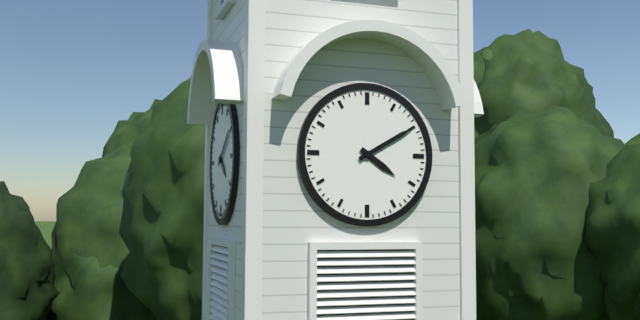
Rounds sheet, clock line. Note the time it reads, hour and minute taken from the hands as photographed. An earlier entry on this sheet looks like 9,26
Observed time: 4,10
